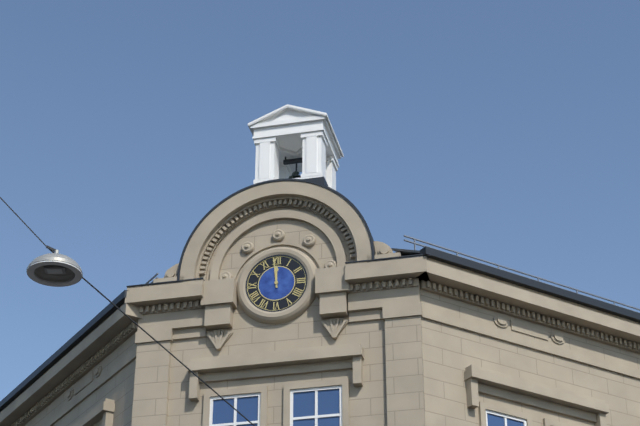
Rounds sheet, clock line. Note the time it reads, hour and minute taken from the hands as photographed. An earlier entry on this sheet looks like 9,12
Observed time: 11,59
